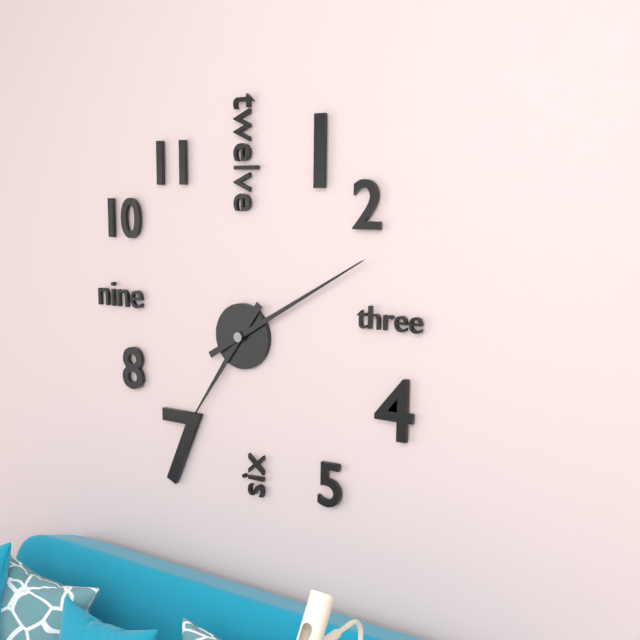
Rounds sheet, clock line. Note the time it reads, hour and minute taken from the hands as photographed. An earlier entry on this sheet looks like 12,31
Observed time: 7,10
